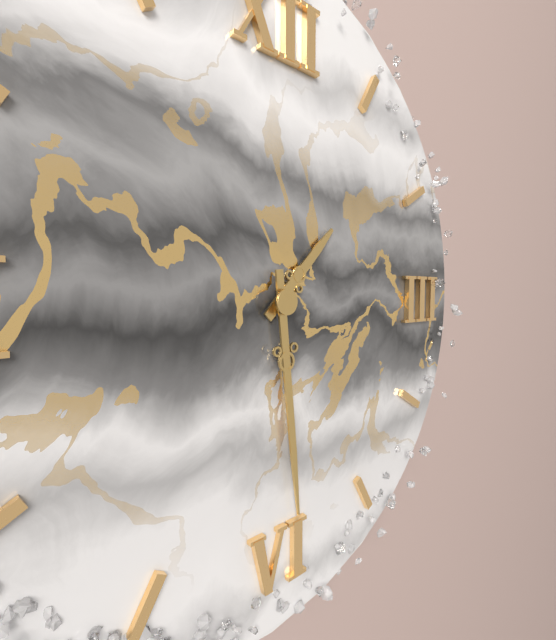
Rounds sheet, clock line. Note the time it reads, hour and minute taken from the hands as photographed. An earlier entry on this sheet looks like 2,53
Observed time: 1,29
